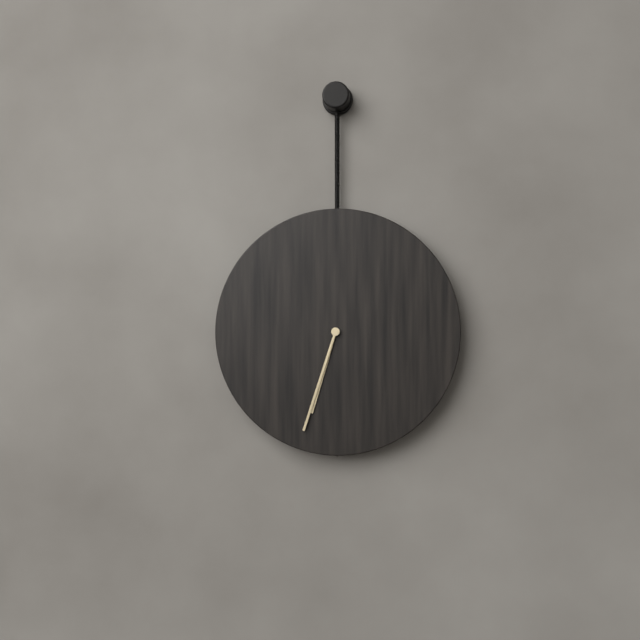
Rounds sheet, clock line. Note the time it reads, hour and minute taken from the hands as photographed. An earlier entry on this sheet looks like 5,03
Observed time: 6,33
